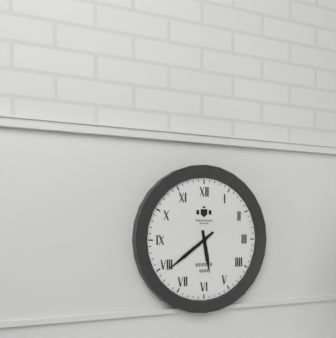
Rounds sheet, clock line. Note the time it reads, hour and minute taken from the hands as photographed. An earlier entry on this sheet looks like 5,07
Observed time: 5,39
